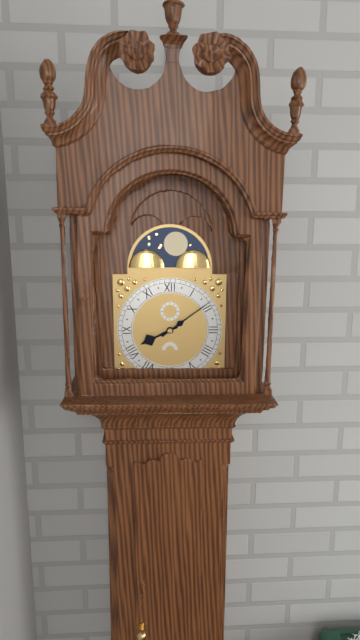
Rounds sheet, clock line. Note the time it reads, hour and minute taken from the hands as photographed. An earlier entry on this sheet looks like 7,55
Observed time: 8,09
